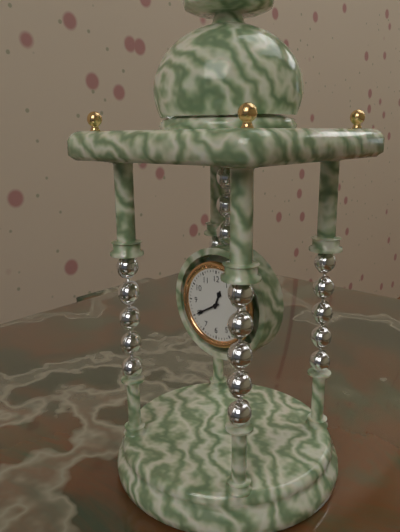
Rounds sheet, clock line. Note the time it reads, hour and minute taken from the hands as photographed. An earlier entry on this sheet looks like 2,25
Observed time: 12,40
